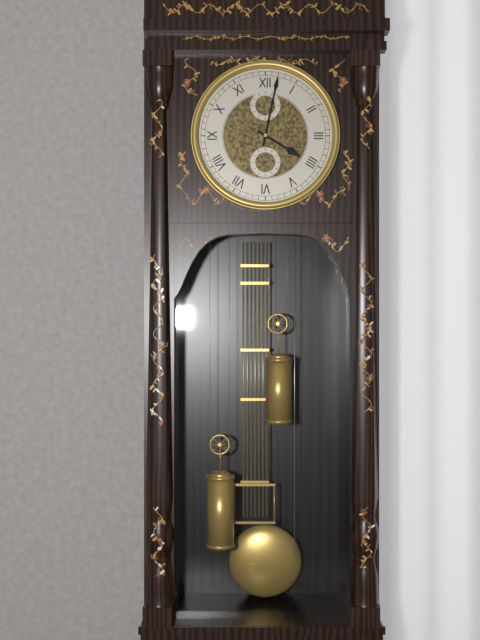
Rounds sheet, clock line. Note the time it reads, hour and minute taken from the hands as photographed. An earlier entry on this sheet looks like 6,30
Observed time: 4,02
